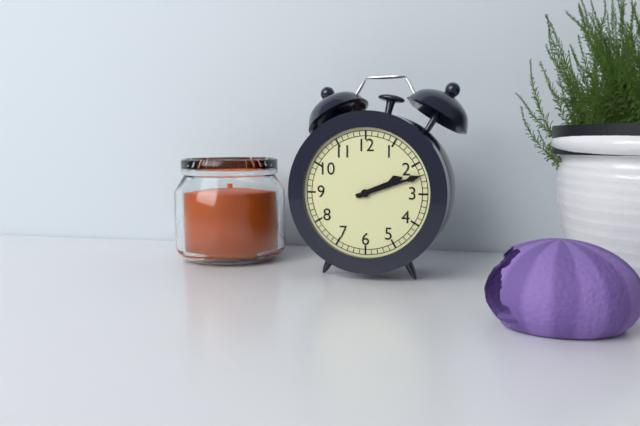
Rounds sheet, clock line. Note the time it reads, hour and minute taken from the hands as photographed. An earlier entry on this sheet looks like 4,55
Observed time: 2,12
